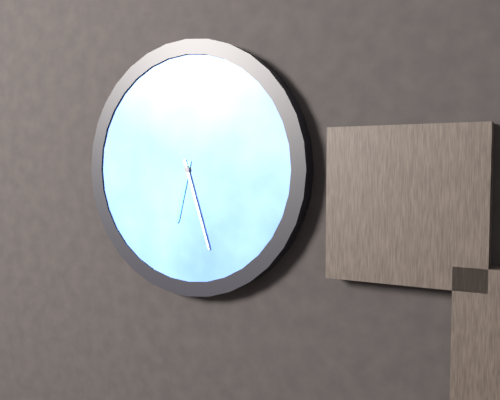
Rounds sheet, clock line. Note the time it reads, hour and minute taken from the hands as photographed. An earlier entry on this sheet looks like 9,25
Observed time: 6,27
